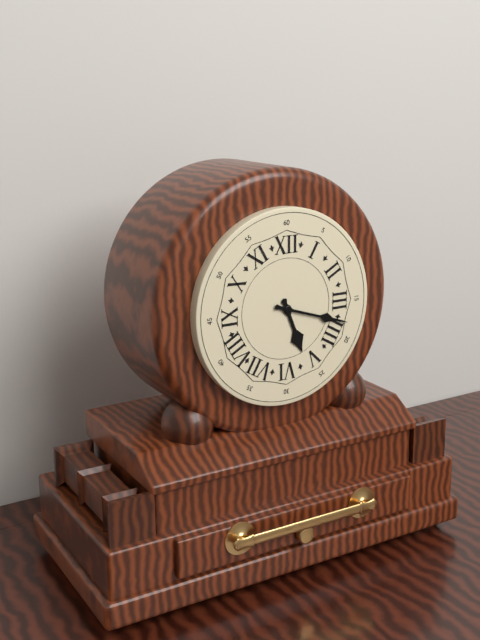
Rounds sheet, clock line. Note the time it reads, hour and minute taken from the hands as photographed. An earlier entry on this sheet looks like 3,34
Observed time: 5,18
